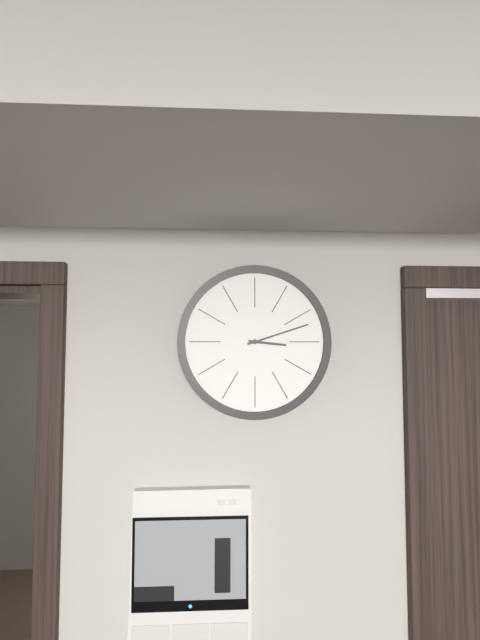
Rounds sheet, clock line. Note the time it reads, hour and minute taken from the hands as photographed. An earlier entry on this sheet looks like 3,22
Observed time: 3,12
